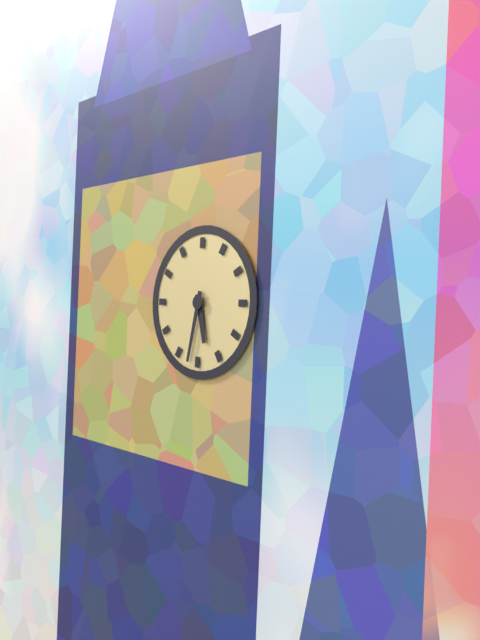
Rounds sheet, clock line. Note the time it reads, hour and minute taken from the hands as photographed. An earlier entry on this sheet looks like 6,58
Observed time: 5,32
